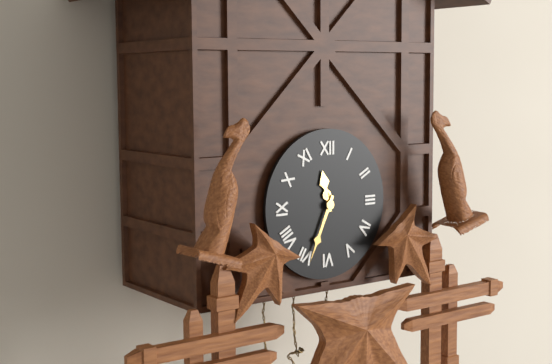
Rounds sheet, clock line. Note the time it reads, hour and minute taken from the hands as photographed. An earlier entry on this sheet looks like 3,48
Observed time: 11,34
